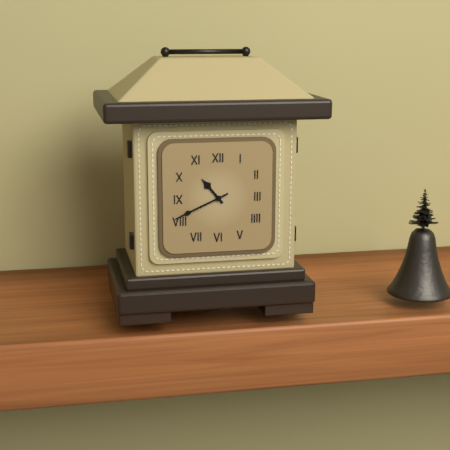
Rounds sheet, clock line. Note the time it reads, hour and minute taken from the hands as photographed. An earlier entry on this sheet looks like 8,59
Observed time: 10,41
